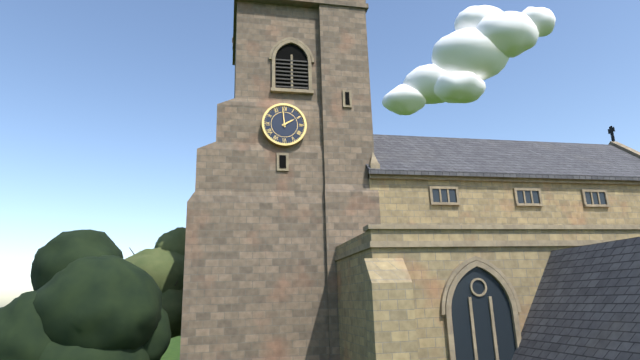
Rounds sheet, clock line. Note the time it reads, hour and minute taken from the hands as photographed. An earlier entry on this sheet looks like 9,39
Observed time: 1,59
